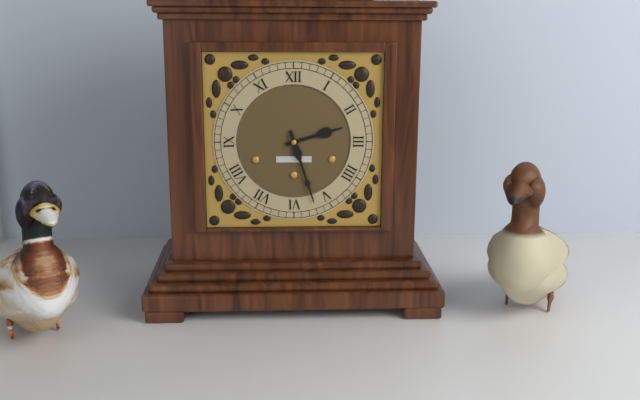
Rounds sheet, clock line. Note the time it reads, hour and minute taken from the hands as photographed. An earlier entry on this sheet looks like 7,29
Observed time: 2,27
